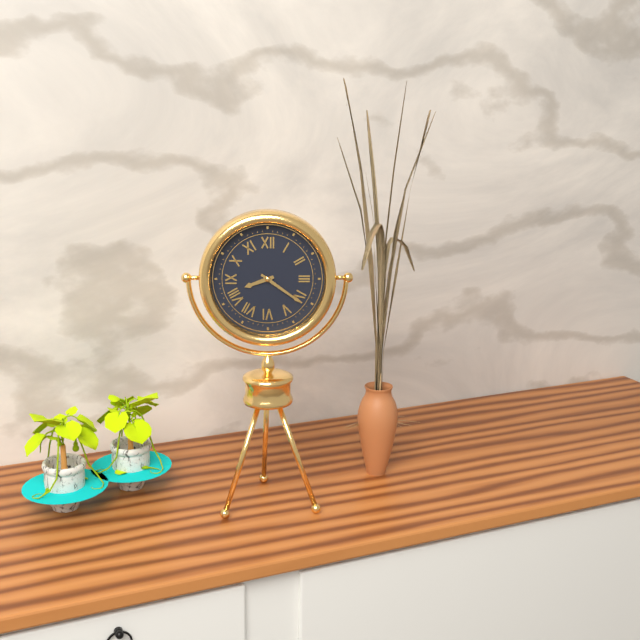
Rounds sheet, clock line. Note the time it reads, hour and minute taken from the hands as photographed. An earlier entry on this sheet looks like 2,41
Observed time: 8,21
